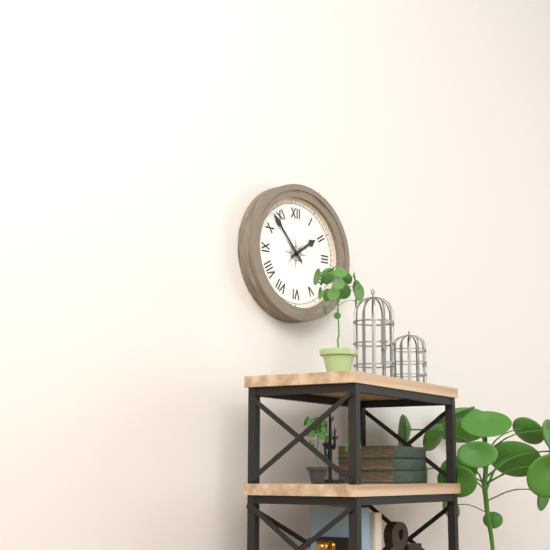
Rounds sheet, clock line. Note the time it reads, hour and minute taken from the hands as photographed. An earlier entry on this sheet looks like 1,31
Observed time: 1,53
